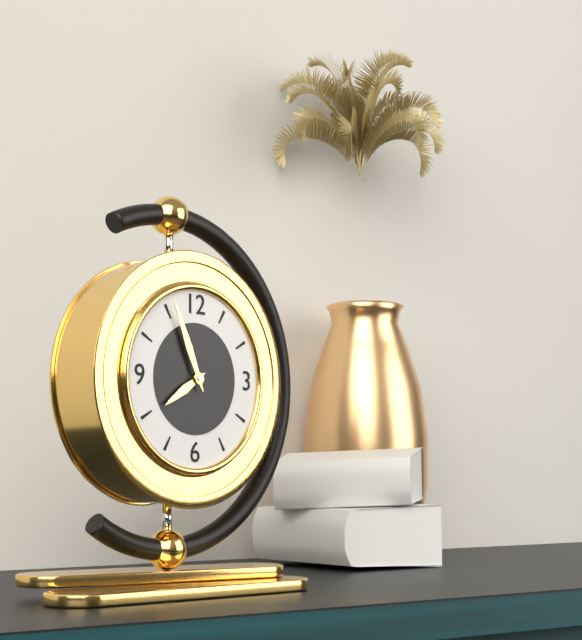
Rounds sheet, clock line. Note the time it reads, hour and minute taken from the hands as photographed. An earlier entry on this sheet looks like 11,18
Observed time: 7,56
